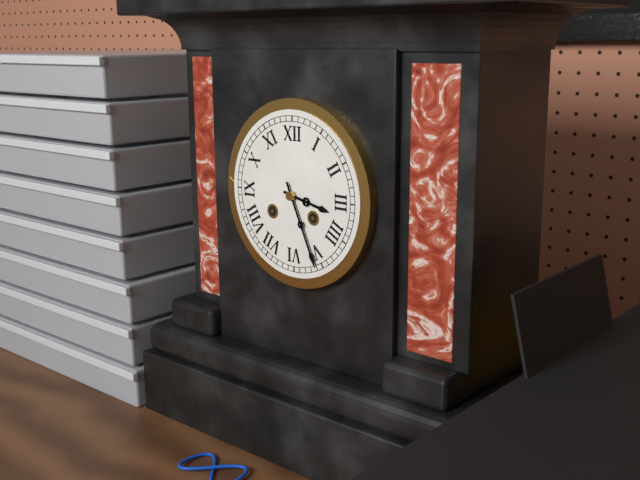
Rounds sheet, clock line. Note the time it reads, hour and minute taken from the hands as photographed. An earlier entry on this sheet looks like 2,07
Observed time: 3,26
